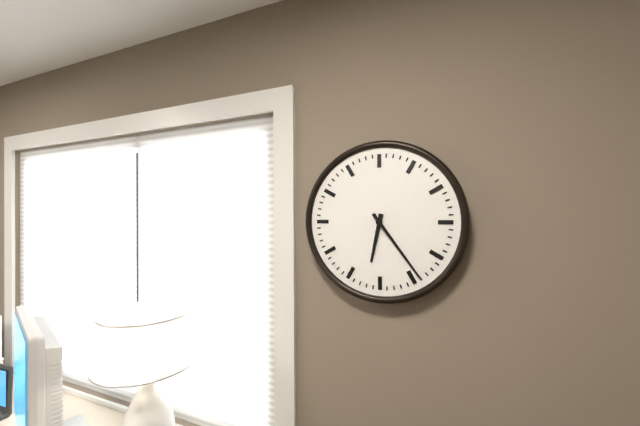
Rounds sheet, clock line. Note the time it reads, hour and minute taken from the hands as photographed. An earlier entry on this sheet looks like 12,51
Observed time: 6,24
